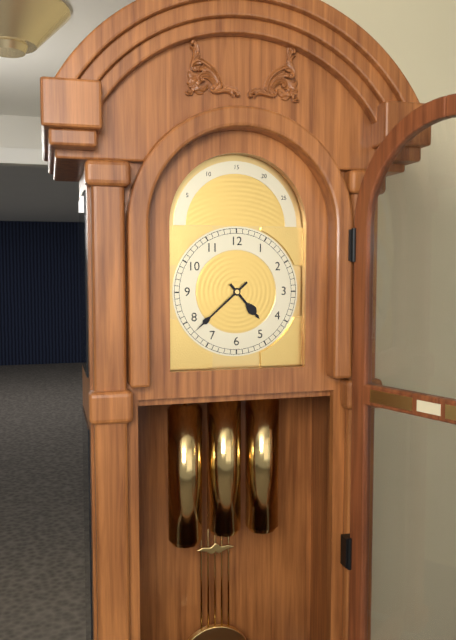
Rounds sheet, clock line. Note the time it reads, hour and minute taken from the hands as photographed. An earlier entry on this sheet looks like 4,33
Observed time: 4,38
